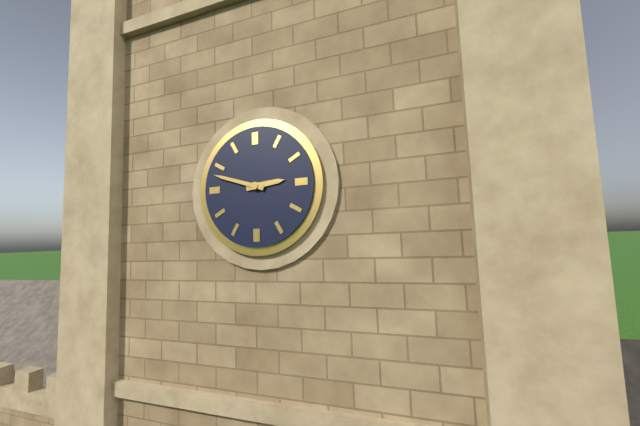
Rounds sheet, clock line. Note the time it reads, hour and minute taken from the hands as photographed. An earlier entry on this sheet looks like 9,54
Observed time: 2,48
